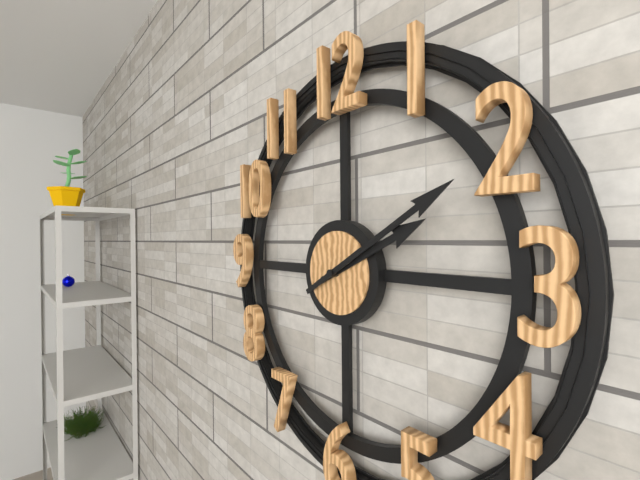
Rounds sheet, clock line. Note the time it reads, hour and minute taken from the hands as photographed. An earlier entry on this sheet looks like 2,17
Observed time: 2,10
